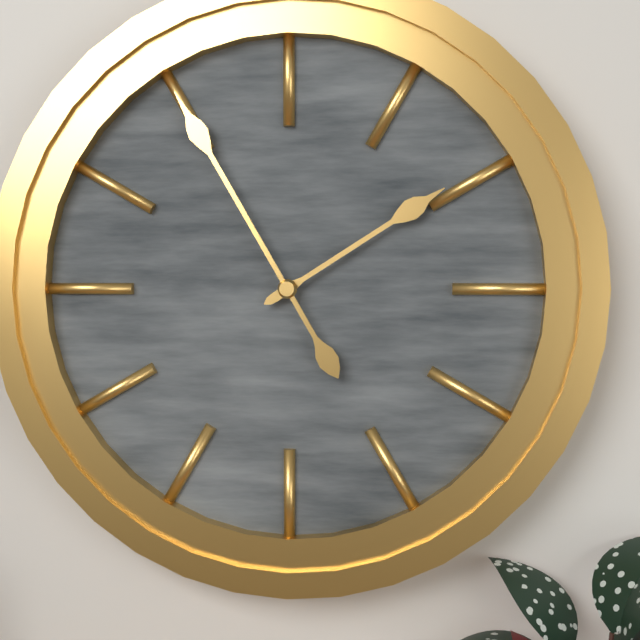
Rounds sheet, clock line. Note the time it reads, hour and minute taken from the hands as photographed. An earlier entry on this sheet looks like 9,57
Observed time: 1,55
